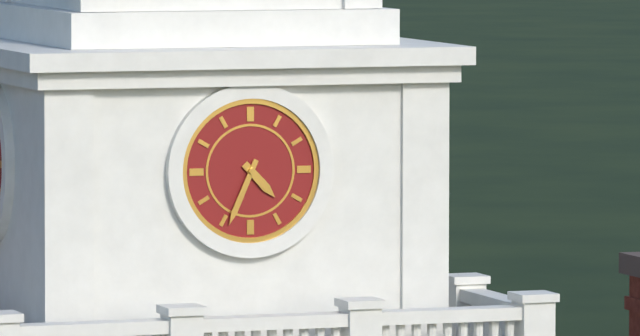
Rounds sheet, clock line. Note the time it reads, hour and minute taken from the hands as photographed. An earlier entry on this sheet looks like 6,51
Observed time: 4,34
